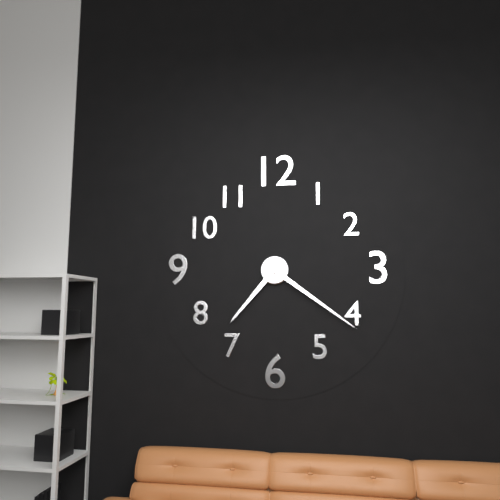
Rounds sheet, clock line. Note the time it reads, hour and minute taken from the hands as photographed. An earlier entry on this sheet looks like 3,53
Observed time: 7,21
